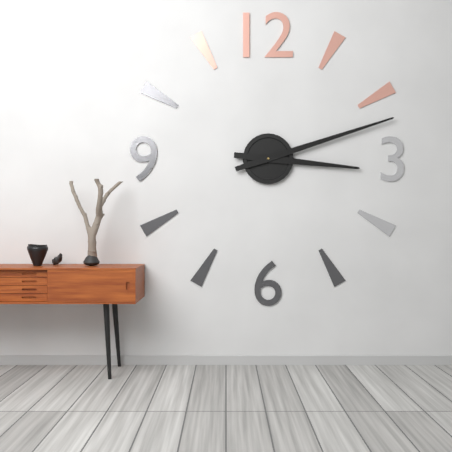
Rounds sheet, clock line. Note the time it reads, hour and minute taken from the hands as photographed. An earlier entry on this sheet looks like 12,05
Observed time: 3,12
